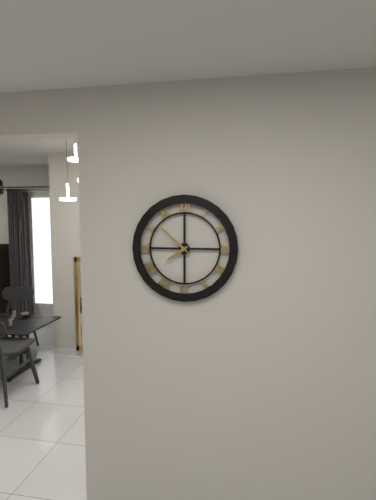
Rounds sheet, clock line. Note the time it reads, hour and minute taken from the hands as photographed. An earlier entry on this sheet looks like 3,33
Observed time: 7,52
